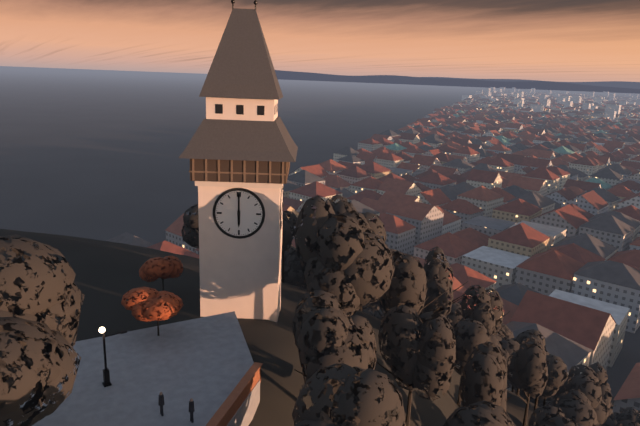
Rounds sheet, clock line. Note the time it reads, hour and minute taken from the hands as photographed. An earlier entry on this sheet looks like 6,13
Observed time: 6,00
